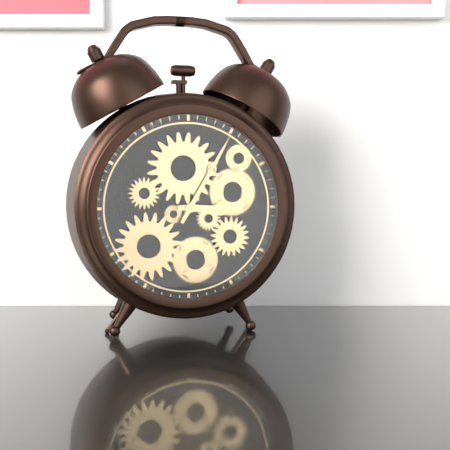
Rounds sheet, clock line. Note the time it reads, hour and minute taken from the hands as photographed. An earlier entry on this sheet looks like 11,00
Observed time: 3,05
